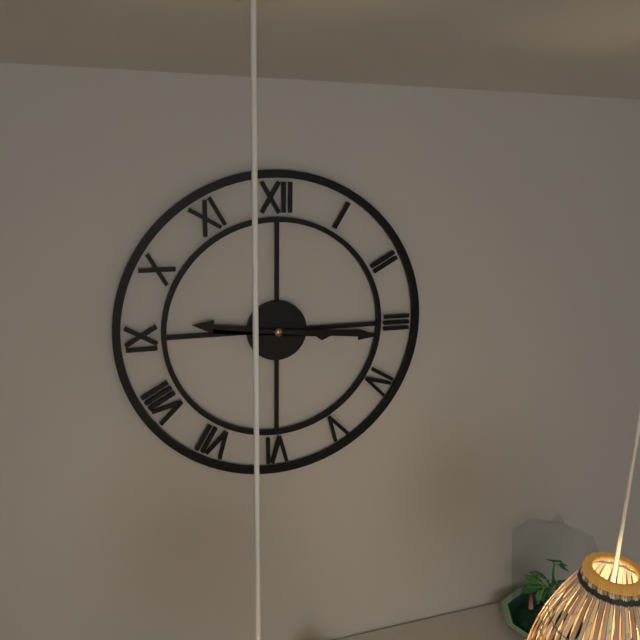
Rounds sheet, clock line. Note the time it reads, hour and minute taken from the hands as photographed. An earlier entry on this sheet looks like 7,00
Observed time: 9,16
